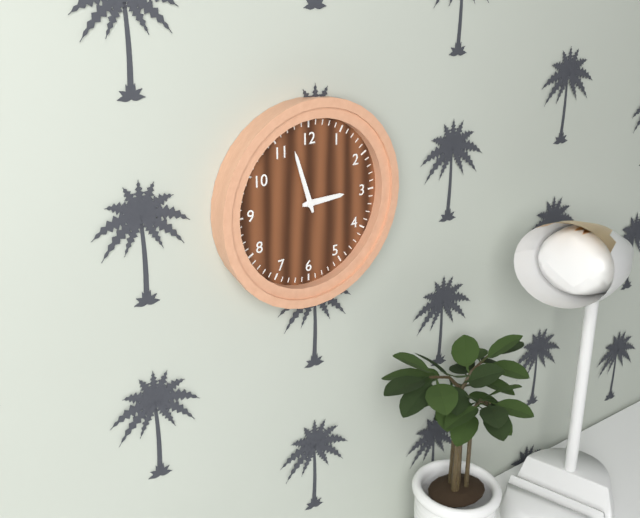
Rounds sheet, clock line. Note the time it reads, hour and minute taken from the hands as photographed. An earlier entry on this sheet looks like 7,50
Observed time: 2,57
